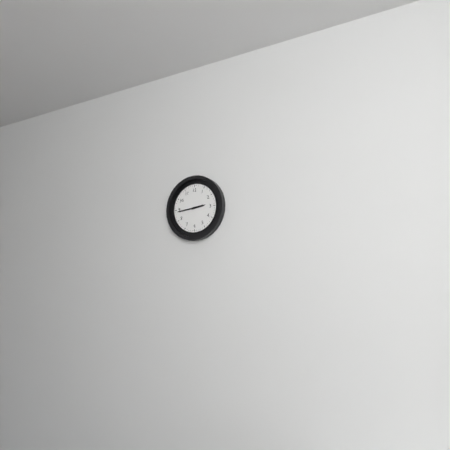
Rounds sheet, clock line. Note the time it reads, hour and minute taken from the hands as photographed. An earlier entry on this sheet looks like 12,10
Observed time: 2,44
